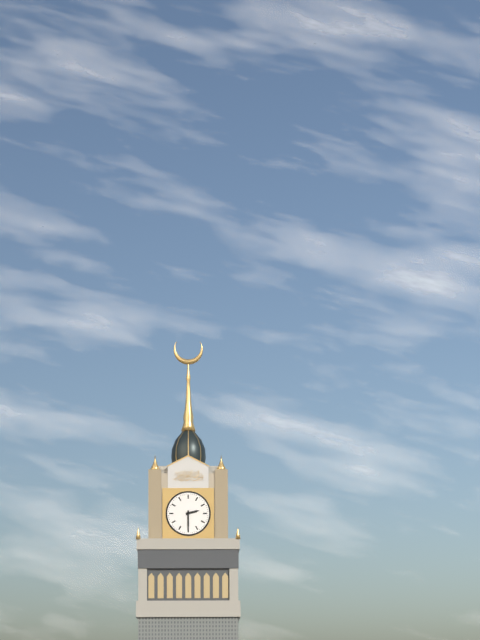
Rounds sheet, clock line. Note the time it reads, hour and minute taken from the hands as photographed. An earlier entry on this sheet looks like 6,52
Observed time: 2,30
